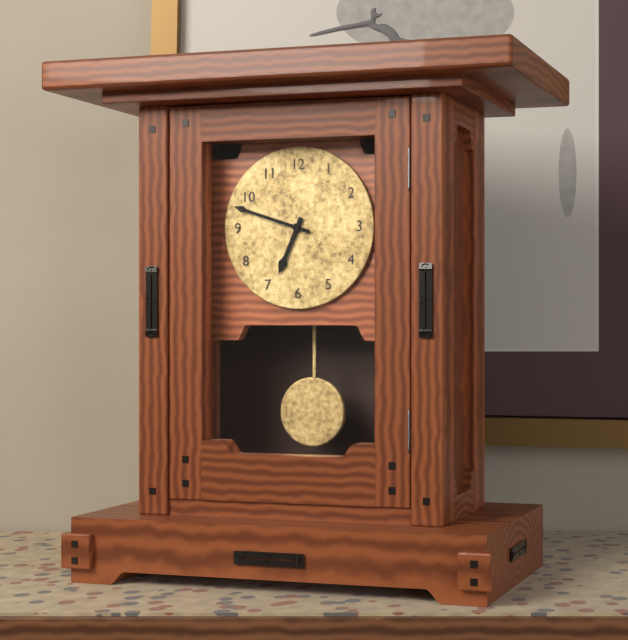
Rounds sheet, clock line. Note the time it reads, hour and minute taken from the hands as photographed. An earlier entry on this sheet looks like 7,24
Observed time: 6,48
